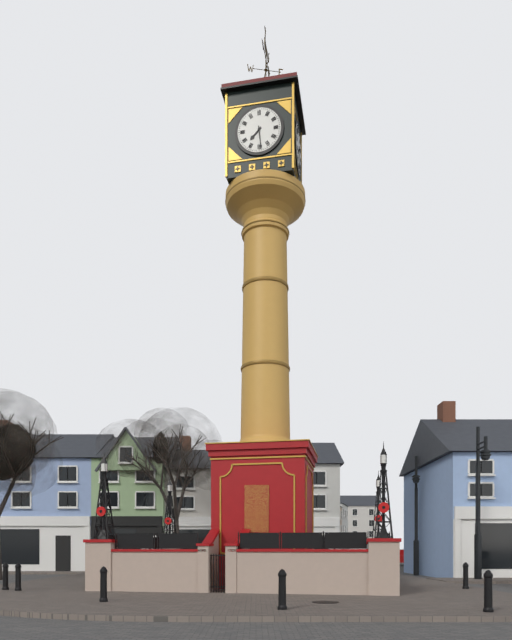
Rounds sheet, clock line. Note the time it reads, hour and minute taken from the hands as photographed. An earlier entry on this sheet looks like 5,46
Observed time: 7,29
